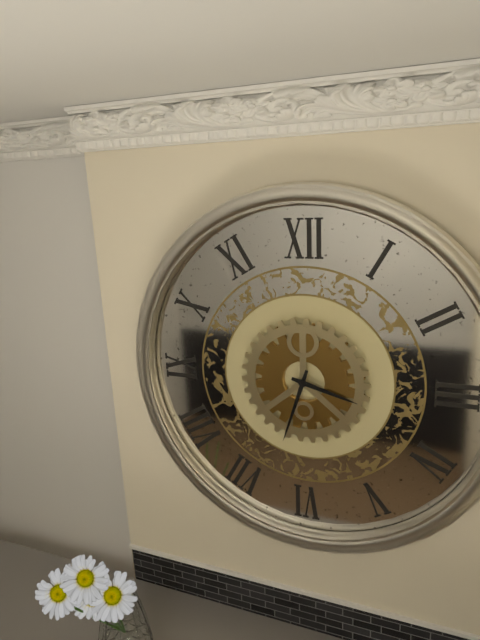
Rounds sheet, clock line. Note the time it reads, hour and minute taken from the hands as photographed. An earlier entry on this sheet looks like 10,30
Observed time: 3,33
